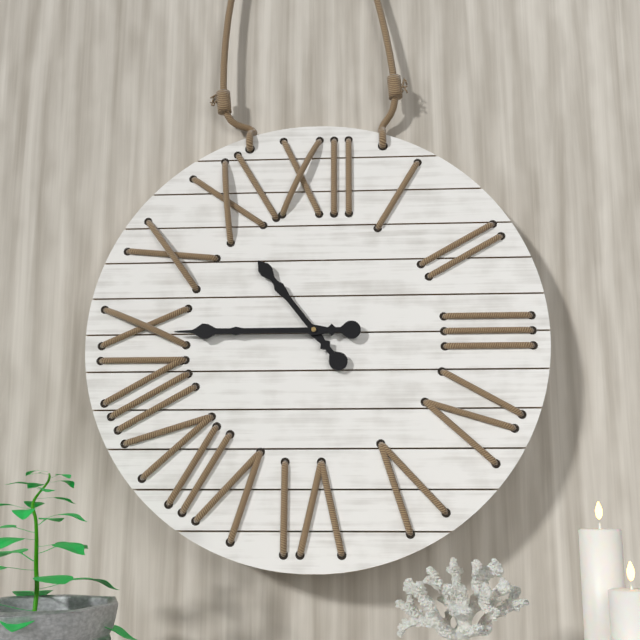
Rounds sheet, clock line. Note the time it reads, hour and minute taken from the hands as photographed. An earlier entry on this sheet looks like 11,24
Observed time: 10,45
